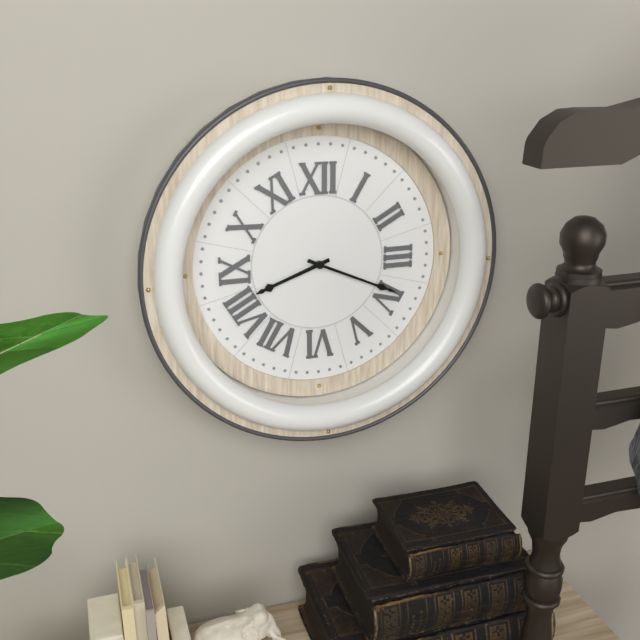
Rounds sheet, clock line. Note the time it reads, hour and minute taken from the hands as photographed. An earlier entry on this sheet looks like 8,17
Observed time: 8,19
